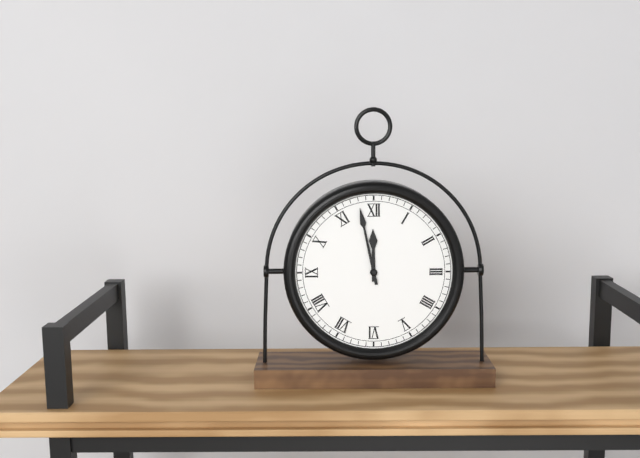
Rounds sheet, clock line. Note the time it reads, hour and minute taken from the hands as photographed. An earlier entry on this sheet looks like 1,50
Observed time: 11,58
